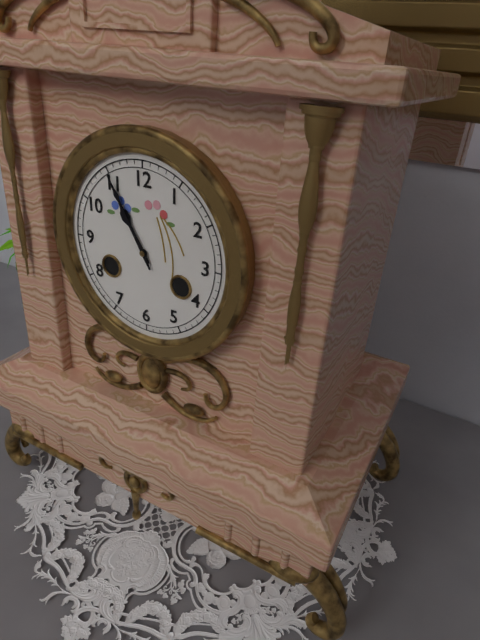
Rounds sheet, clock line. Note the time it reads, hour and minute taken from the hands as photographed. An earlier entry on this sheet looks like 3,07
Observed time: 10,55
